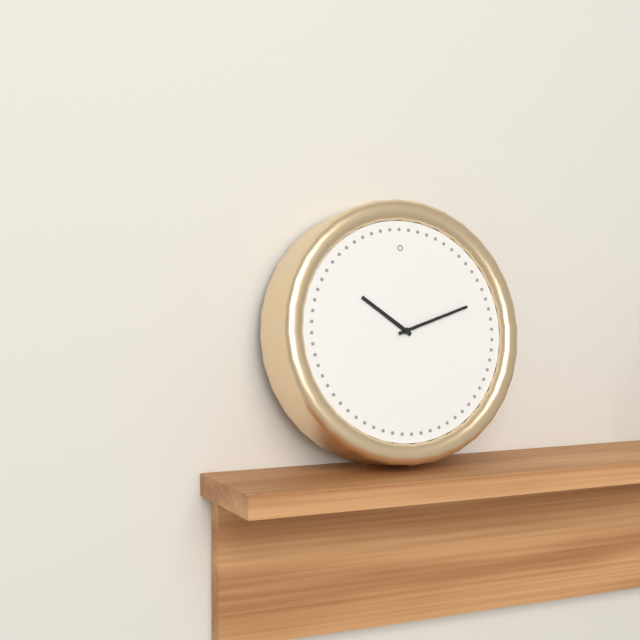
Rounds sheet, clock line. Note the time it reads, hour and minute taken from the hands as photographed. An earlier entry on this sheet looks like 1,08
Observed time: 10,12
